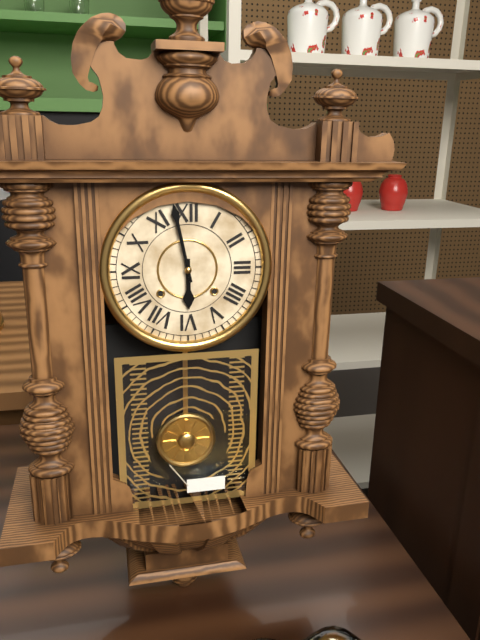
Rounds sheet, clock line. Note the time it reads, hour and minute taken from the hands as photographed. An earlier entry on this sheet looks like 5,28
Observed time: 5,58
